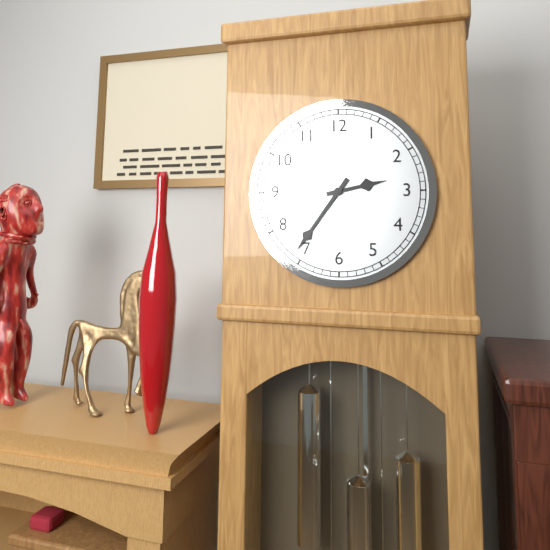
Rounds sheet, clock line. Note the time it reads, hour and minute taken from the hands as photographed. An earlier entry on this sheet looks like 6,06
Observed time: 2,36
